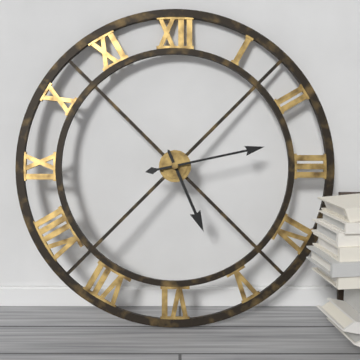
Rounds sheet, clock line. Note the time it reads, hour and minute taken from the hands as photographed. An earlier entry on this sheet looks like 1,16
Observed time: 5,13
